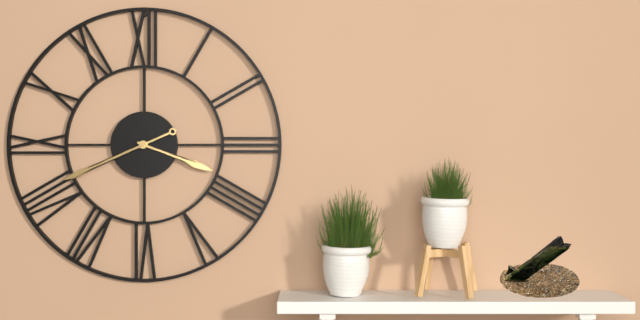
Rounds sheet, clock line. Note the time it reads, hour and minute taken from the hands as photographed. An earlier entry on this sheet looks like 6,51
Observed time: 3,41
